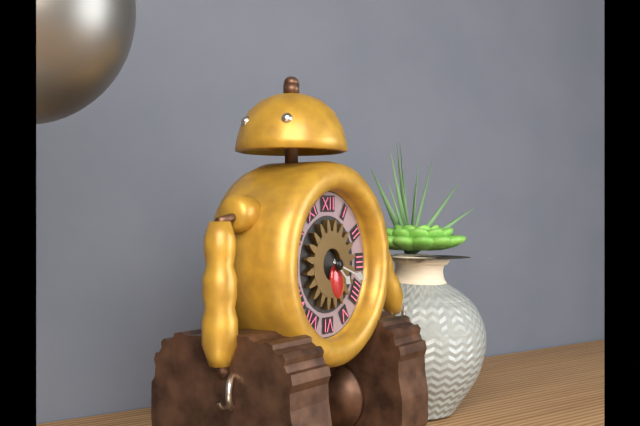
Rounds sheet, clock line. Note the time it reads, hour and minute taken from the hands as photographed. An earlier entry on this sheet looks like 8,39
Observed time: 4,18
